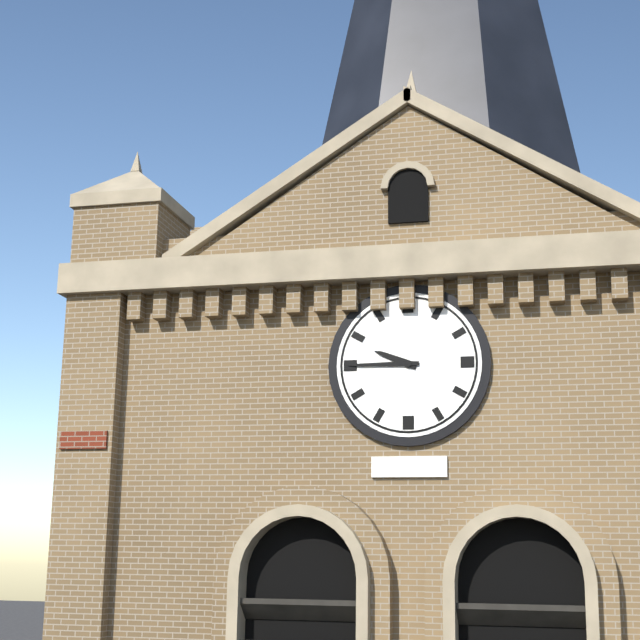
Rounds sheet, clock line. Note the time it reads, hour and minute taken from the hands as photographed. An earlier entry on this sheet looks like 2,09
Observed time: 9,45
